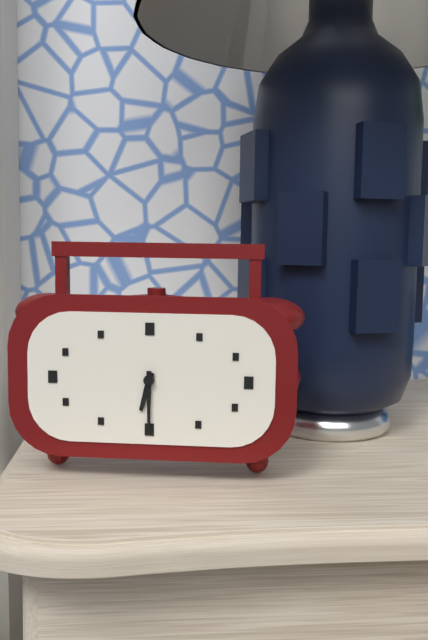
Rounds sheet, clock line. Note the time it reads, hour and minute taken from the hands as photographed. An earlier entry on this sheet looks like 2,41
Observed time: 6,30
